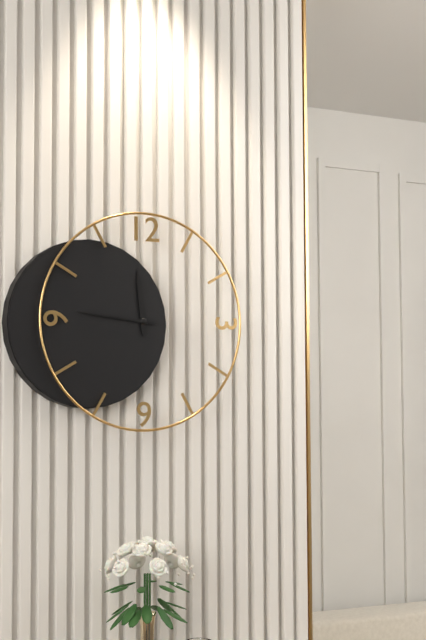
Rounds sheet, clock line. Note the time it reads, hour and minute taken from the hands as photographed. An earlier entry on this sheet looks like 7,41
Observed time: 11,46
